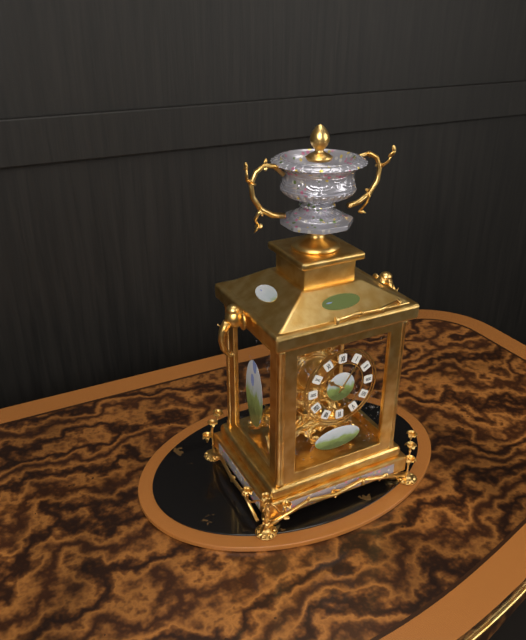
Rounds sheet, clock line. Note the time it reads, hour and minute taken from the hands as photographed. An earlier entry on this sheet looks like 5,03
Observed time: 10,06
